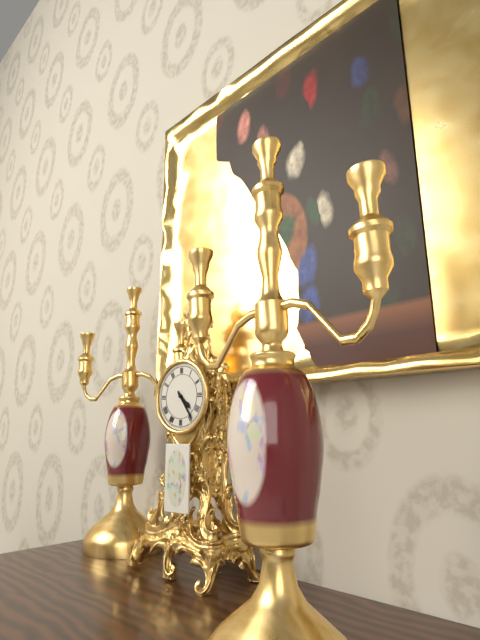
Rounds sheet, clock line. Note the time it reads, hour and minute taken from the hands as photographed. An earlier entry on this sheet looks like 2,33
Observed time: 4,24
